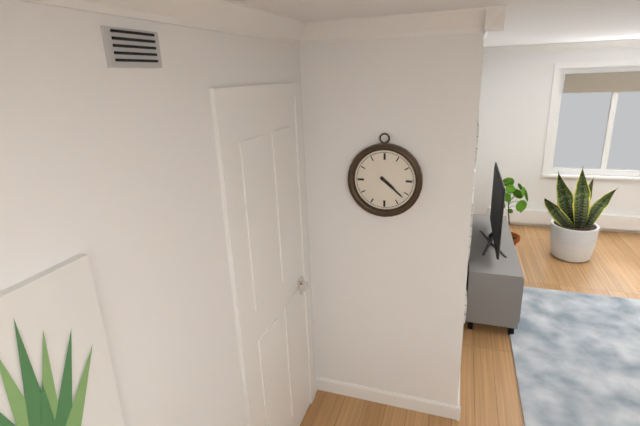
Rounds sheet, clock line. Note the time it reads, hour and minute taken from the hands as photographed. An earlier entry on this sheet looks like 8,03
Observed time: 4,22
